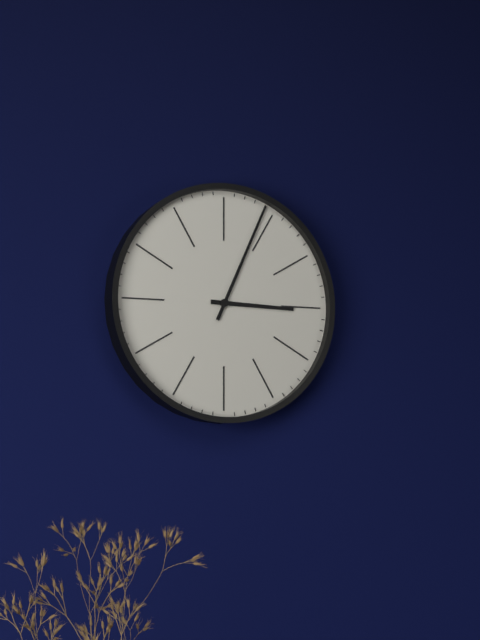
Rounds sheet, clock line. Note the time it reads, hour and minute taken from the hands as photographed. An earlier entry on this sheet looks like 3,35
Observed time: 3,04
